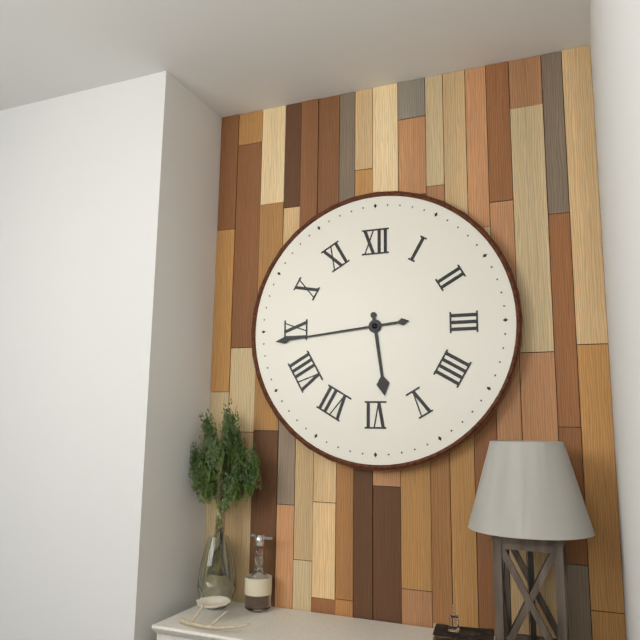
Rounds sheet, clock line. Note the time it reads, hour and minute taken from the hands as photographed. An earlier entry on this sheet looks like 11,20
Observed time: 5,44
